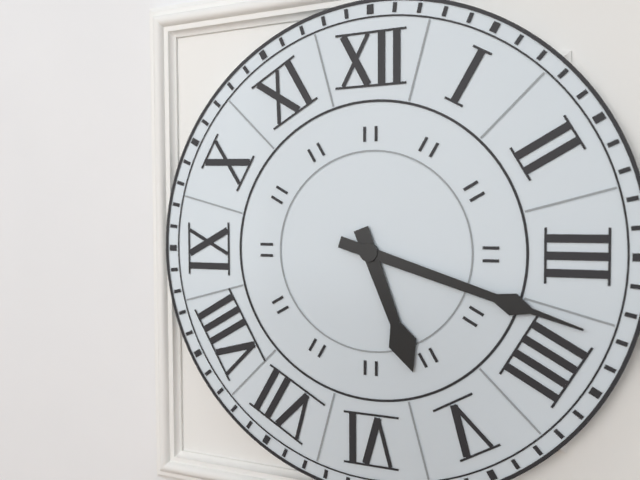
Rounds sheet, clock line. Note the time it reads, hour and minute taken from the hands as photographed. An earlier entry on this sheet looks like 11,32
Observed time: 5,18
